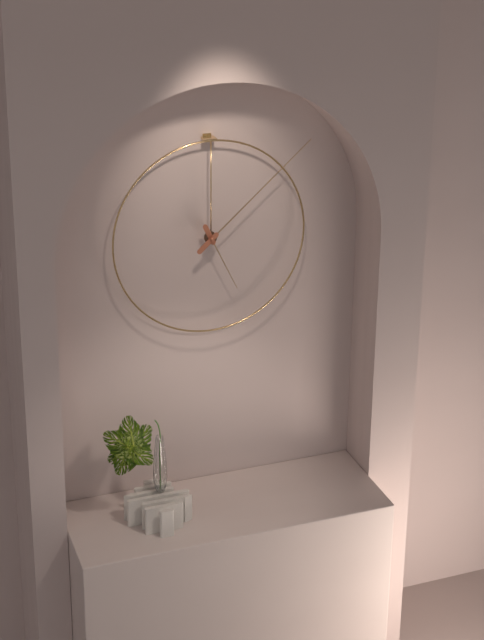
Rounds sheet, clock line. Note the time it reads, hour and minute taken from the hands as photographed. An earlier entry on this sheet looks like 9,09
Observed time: 5,08
